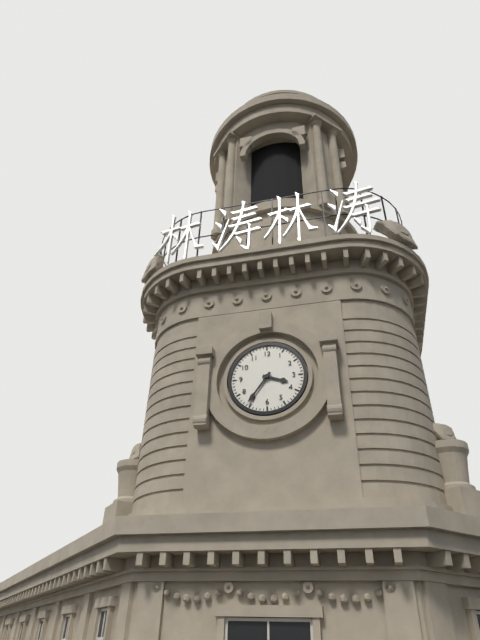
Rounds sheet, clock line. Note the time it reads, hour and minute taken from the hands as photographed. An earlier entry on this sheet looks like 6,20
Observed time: 3,36
